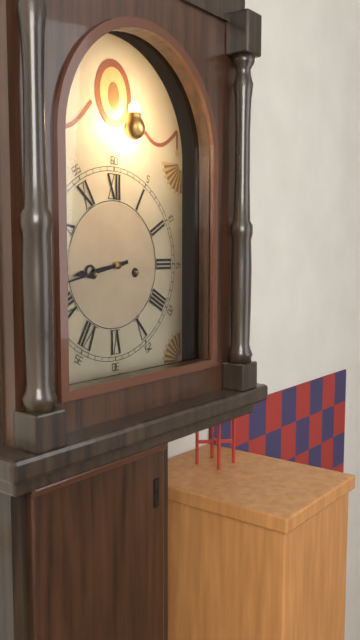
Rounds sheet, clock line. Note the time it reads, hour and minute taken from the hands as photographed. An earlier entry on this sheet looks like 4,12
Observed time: 8,43
